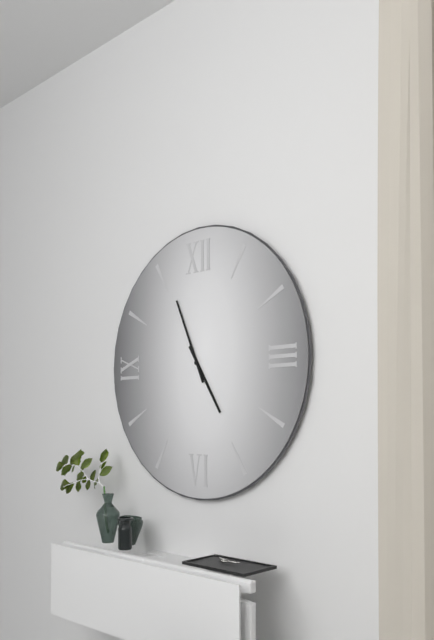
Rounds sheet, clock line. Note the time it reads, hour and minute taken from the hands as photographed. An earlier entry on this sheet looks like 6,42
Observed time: 4,56
